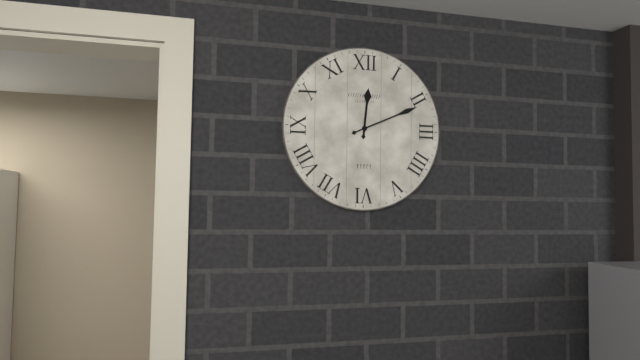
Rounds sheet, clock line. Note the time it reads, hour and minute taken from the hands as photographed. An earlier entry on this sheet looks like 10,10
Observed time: 12,11
